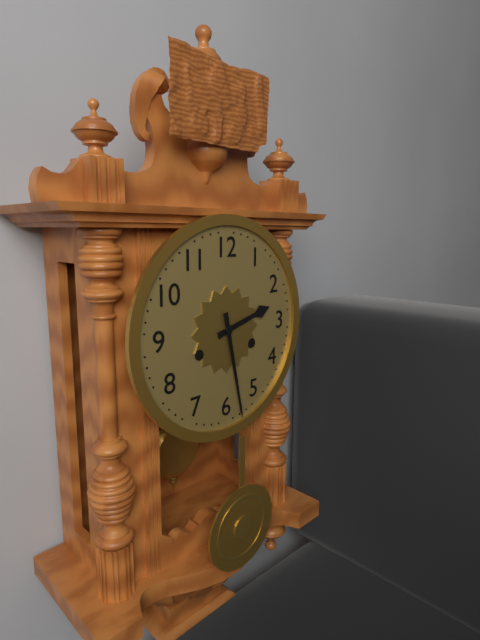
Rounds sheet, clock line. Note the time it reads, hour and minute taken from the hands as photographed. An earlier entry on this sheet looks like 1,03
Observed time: 2,28
